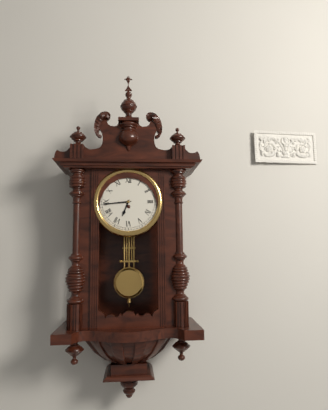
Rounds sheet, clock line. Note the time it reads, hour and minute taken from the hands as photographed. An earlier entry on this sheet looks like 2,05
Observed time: 6,44
